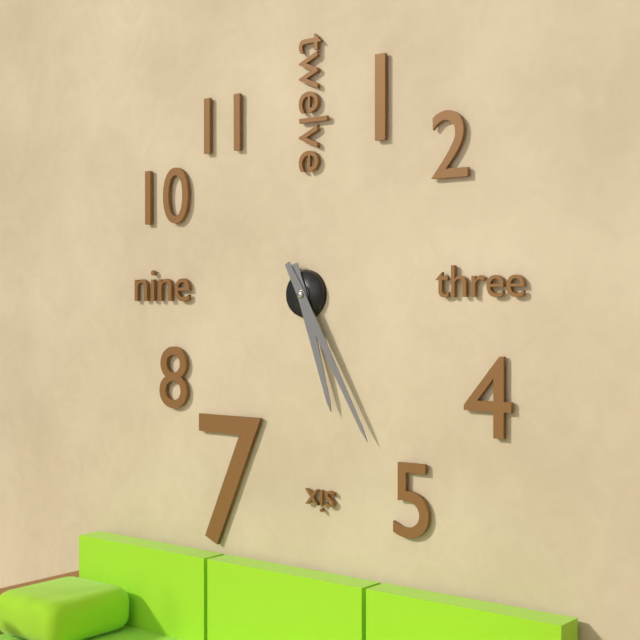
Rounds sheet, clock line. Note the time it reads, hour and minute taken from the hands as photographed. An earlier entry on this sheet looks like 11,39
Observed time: 5,25
